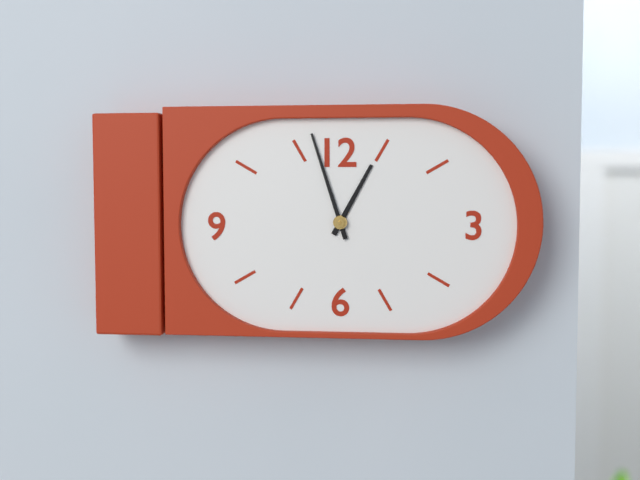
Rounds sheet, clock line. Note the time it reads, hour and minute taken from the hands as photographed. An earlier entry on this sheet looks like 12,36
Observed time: 12,57
